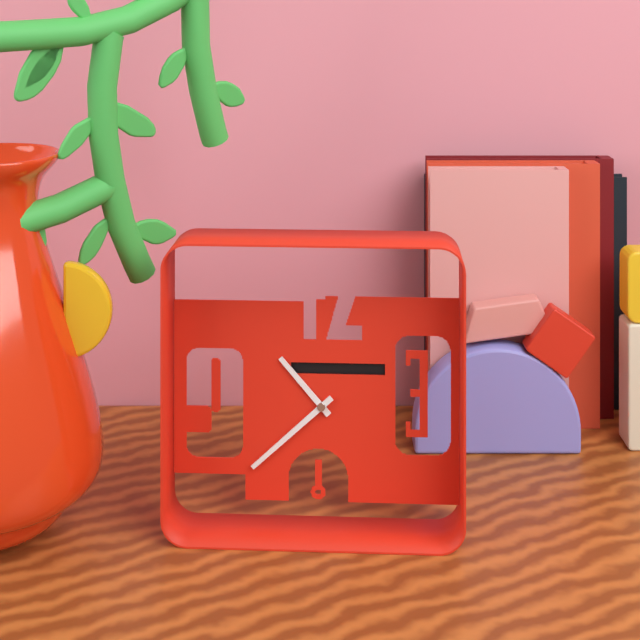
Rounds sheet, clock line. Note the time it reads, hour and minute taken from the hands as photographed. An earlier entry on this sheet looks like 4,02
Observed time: 10,38
